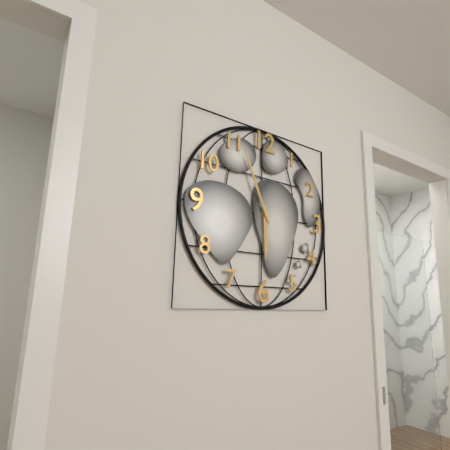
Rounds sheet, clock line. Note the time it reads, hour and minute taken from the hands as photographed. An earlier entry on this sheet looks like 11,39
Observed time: 5,56
